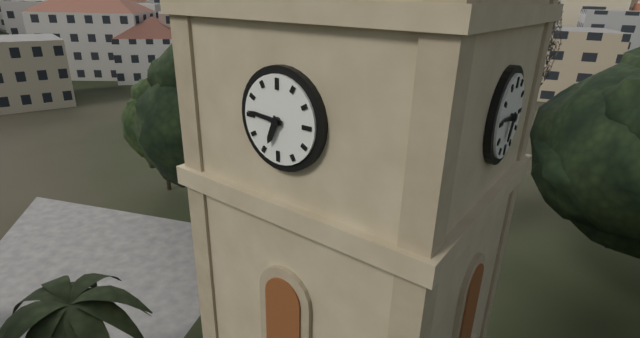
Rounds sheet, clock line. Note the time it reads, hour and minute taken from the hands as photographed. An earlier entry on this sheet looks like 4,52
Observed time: 6,46
